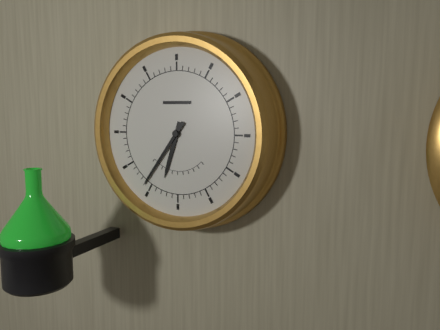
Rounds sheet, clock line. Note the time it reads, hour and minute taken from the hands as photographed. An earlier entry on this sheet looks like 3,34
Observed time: 6,36
